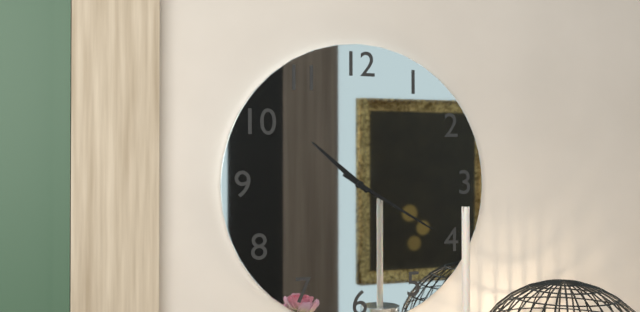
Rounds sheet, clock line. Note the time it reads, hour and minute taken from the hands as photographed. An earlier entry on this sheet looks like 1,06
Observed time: 10,20
